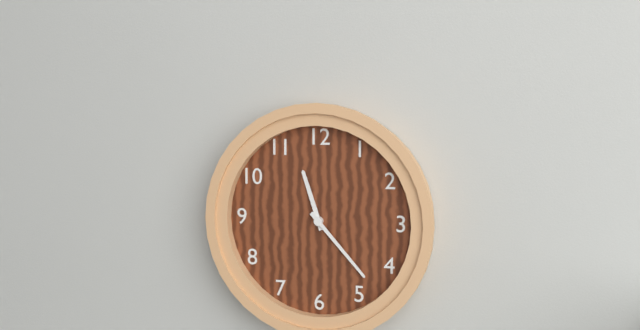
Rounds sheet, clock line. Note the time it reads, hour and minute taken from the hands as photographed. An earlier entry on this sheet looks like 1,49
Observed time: 11,23
